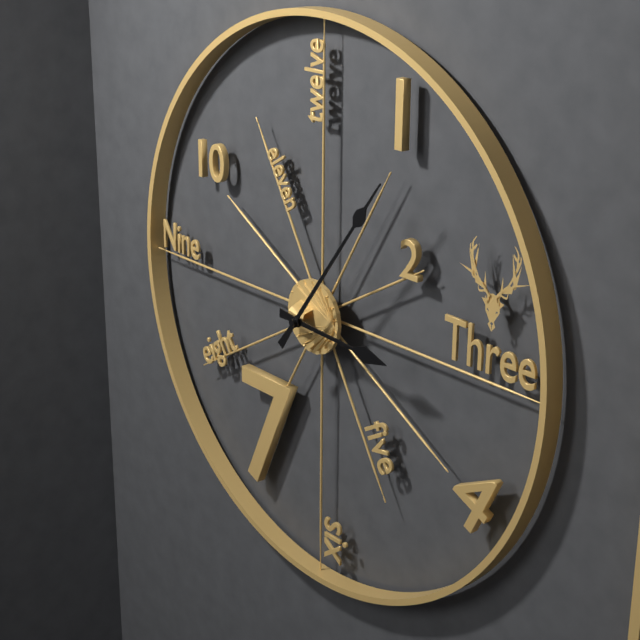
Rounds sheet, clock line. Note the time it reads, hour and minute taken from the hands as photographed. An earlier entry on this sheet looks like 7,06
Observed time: 3,06
